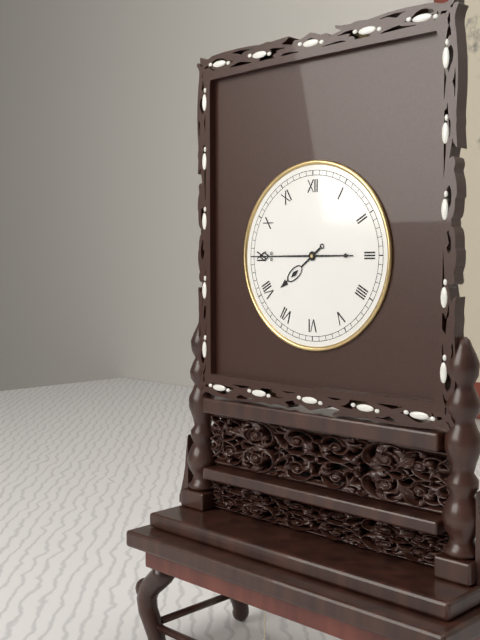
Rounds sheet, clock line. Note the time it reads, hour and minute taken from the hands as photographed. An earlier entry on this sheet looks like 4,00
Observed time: 7,45
